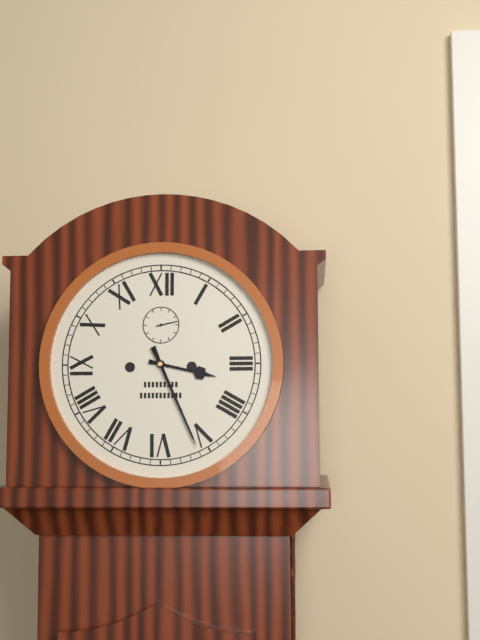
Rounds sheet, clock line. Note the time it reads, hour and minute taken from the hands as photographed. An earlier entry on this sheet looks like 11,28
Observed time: 3,26
